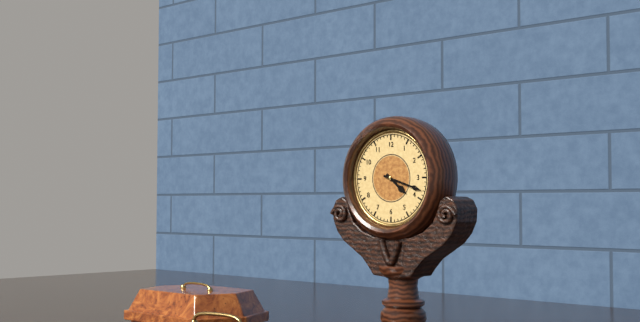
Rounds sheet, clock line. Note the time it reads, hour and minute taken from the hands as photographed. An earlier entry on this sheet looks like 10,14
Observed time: 4,18
